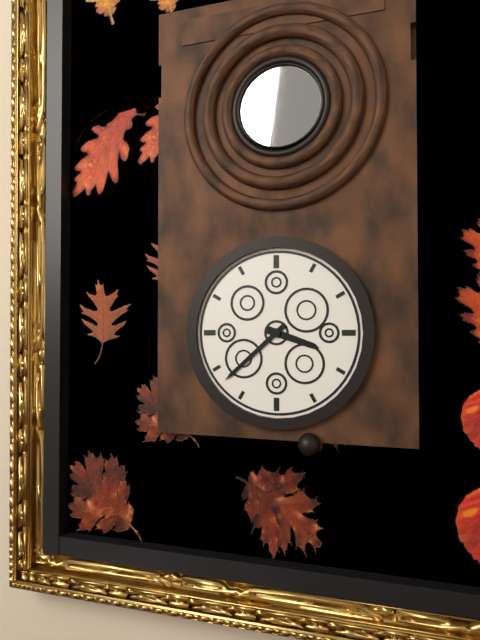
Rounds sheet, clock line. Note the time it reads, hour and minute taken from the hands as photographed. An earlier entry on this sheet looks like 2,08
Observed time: 3,38
